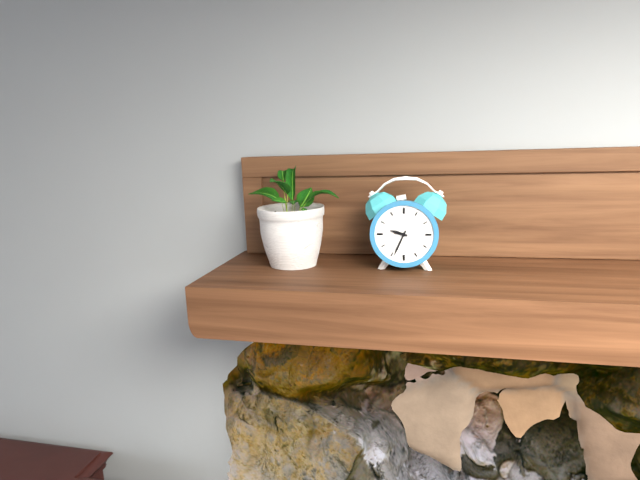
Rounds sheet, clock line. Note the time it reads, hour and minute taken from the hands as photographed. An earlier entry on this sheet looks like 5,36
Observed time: 9,34
